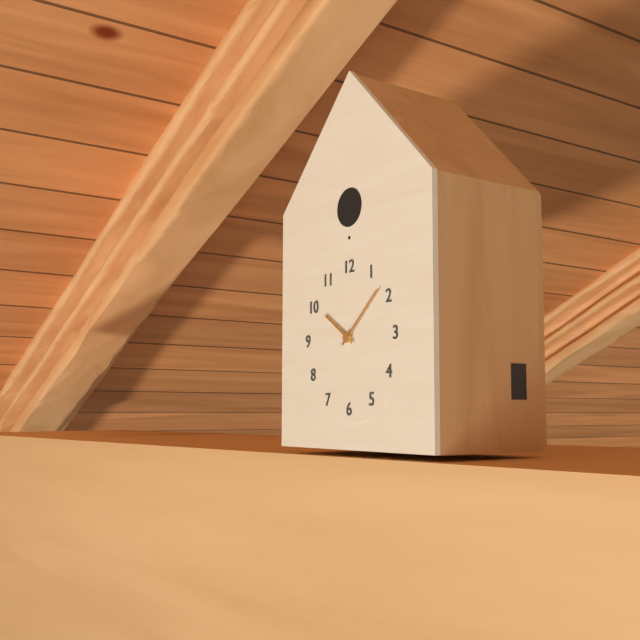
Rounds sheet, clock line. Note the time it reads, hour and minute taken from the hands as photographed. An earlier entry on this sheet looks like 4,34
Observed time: 10,08
